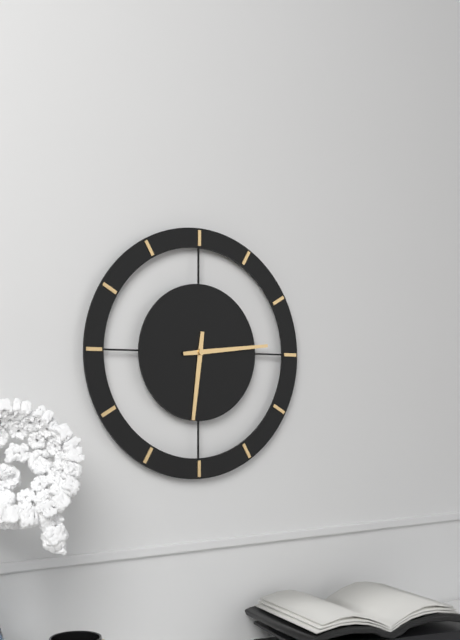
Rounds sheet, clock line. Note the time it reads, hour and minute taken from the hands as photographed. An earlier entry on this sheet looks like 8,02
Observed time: 6,14
